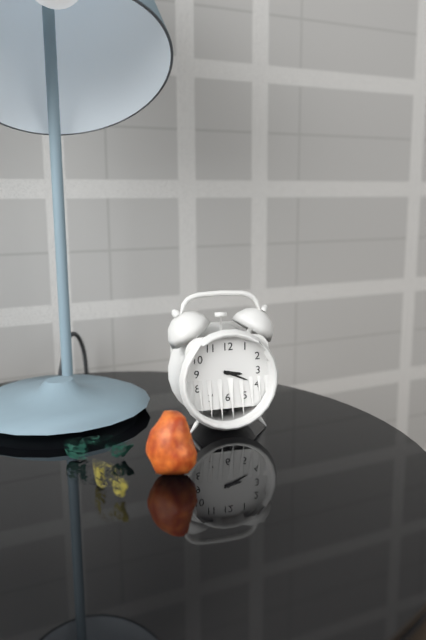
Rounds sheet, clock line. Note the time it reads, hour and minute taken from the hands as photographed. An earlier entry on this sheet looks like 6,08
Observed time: 3,19
